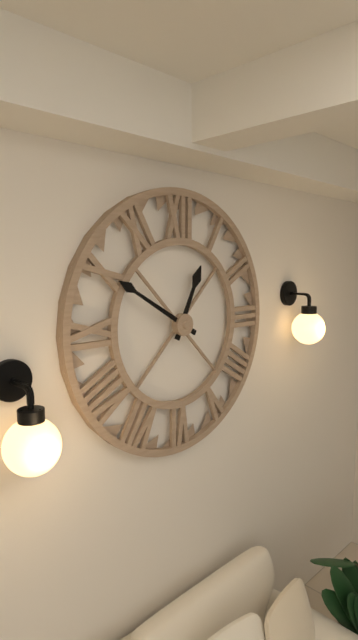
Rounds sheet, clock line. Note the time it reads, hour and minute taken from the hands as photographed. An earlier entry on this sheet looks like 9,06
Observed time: 12,50
